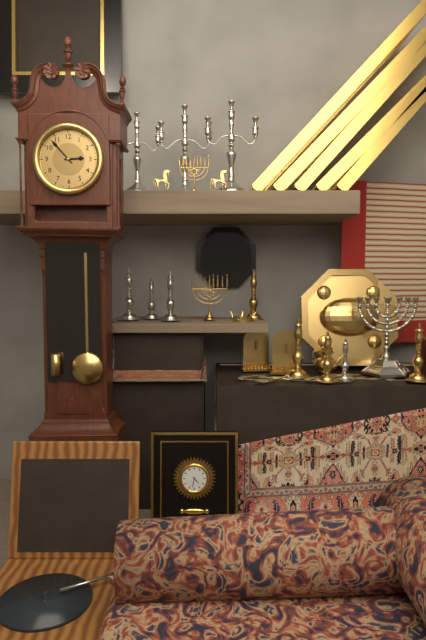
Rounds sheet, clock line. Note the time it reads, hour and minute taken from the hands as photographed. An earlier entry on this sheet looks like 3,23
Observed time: 2,53
